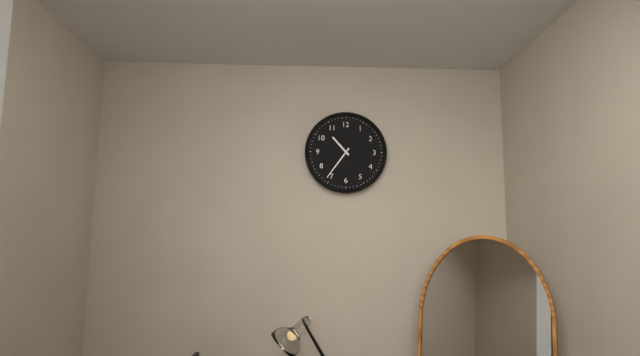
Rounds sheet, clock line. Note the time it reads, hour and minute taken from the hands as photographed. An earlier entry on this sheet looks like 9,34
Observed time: 10,36
